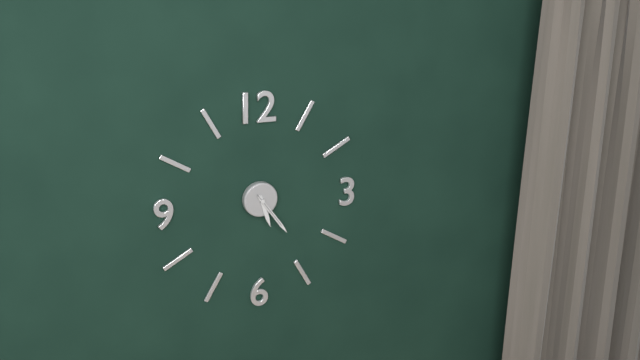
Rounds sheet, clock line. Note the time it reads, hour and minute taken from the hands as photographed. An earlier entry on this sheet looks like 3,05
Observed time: 5,24
